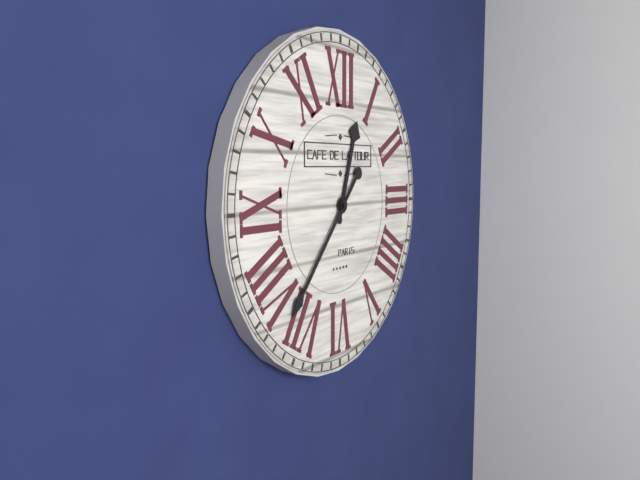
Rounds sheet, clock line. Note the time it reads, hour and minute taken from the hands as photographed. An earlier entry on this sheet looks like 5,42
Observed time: 12,37
